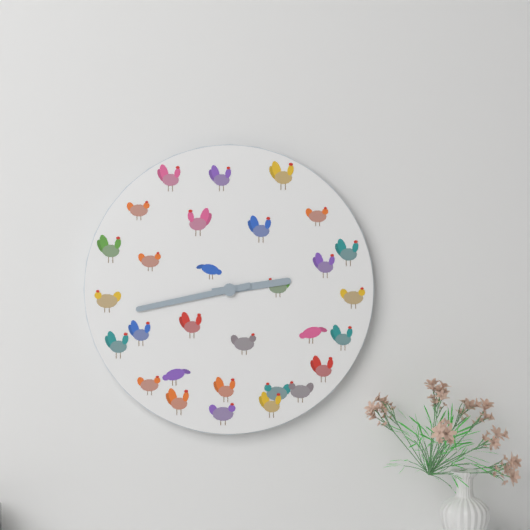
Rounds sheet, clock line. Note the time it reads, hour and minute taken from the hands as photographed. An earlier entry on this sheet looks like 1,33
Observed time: 2,43
